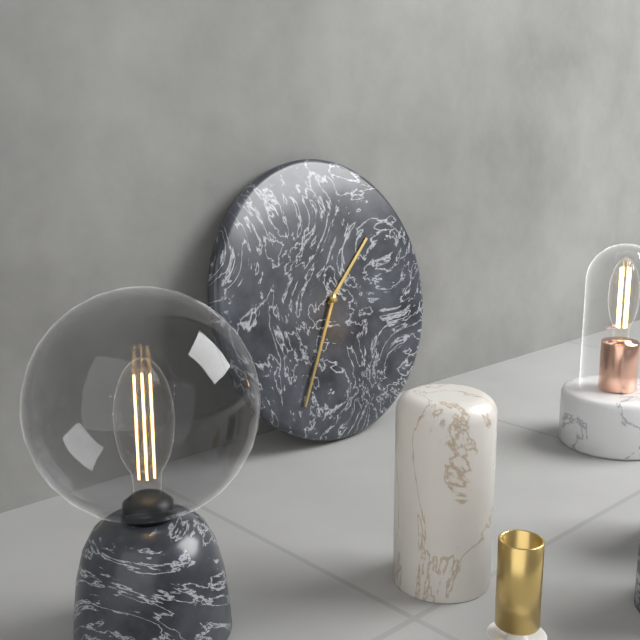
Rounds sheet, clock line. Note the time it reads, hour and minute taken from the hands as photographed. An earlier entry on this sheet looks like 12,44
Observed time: 1,35
